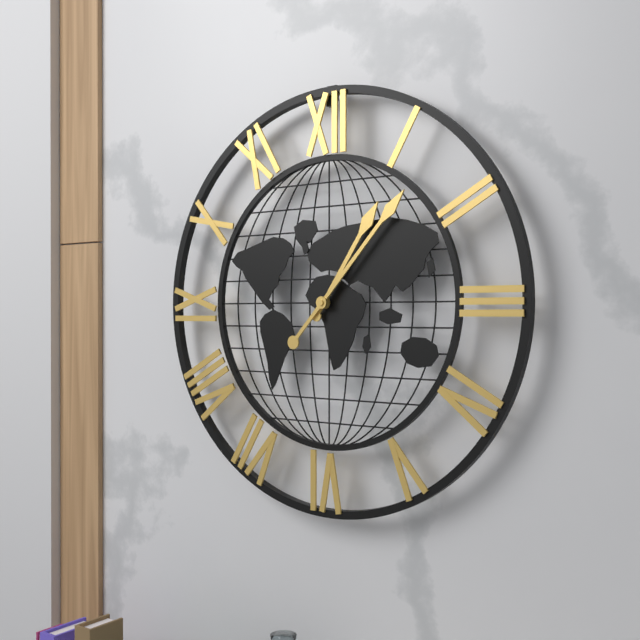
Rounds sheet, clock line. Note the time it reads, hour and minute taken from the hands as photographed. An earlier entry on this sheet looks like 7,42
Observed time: 1,07
